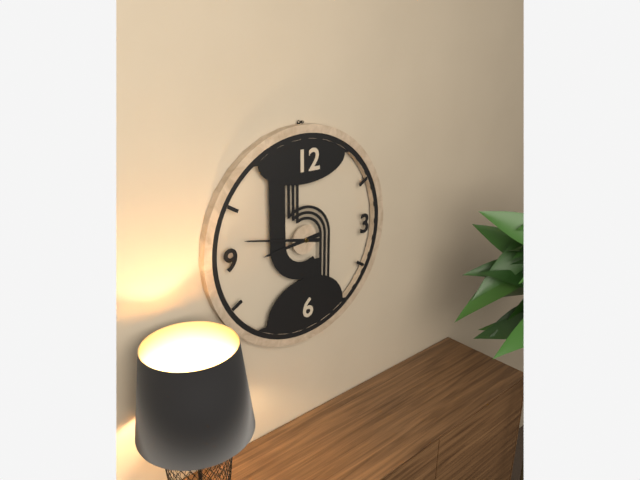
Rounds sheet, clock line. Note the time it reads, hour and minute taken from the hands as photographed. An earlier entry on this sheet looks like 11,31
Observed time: 8,47
